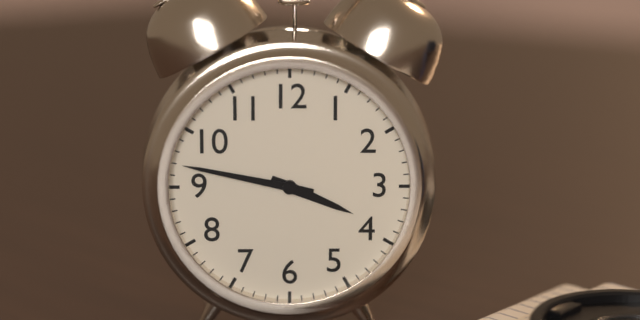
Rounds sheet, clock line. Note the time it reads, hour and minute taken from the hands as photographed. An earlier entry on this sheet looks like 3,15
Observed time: 3,47
